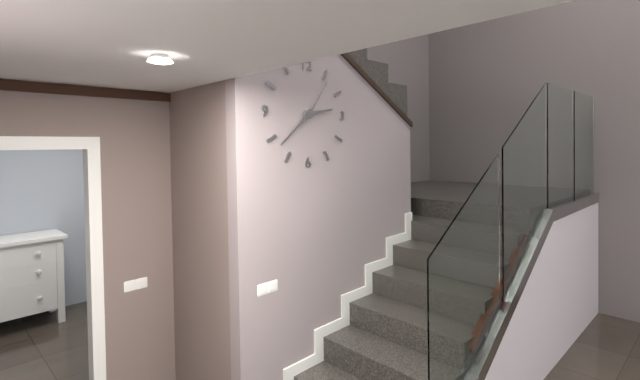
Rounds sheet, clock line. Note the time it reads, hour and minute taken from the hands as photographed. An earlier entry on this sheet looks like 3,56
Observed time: 2,38
